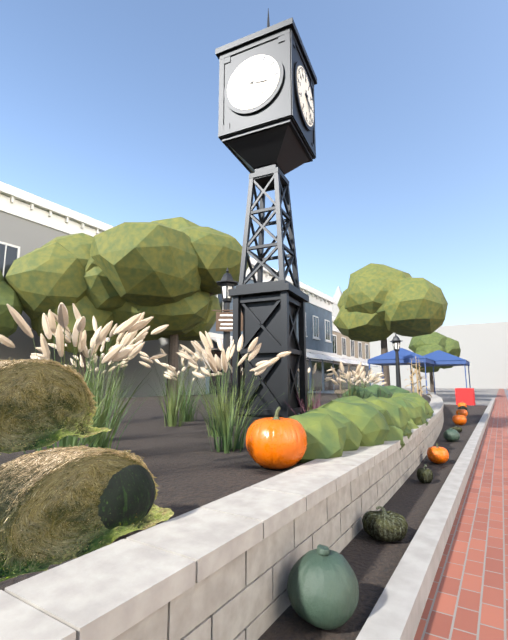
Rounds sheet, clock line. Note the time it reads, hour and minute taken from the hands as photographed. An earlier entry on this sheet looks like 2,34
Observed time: 3,24
